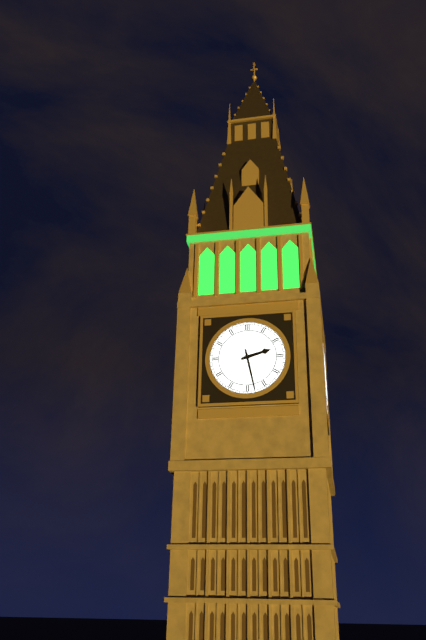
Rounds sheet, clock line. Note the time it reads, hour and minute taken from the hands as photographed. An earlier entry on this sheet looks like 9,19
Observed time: 2,28
